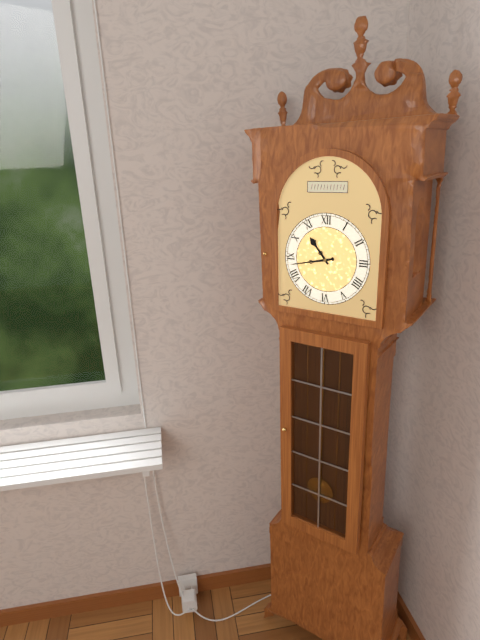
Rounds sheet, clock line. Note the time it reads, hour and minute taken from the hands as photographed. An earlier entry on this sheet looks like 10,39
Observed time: 10,43
